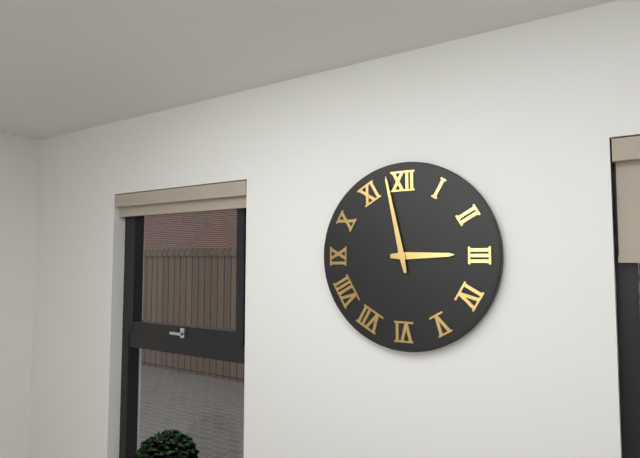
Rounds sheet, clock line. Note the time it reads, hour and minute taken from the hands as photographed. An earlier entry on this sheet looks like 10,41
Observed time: 2,58
